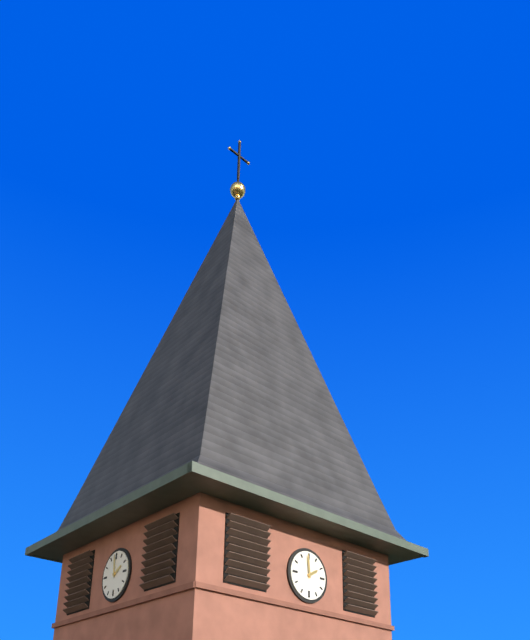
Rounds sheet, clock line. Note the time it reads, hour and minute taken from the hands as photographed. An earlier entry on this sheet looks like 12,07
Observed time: 1,59
